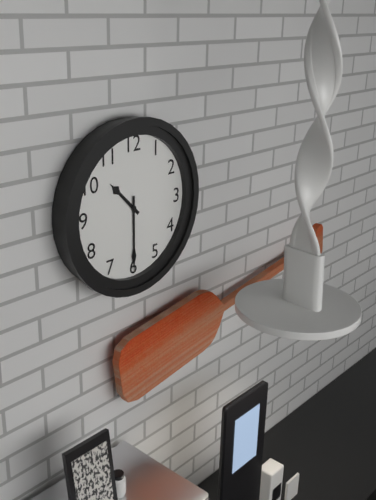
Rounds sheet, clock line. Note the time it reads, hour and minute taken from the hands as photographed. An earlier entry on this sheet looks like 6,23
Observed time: 10,30
